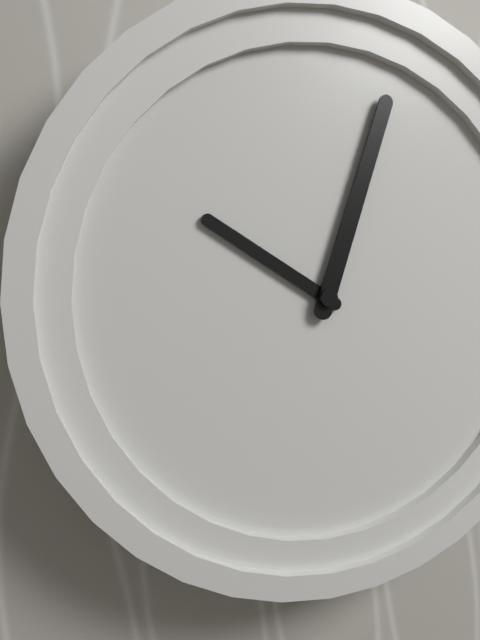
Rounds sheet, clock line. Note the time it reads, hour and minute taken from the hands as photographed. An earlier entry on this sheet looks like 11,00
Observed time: 10,03
